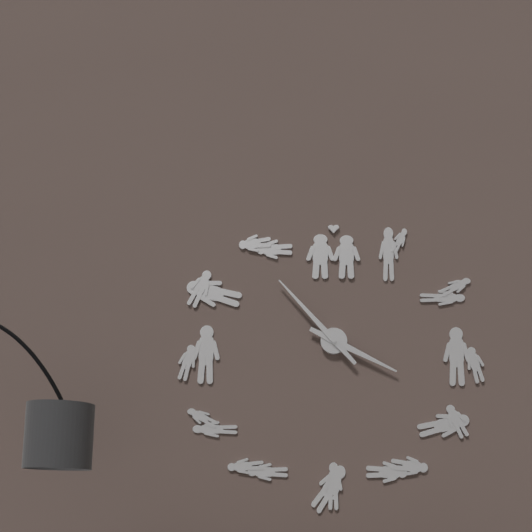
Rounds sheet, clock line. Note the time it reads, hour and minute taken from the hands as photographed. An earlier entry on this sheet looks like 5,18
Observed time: 3,53
